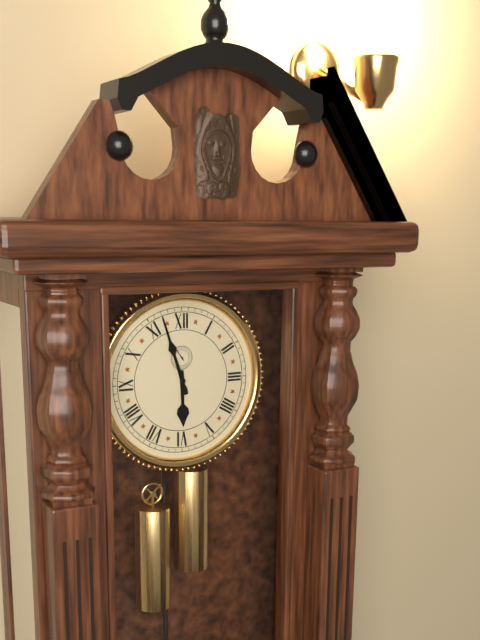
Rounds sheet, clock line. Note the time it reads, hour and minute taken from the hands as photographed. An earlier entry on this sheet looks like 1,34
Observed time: 5,57
